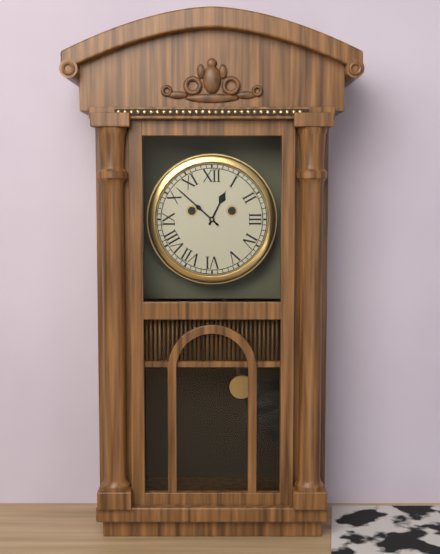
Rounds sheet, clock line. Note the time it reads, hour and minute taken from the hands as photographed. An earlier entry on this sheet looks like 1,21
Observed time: 12,52
